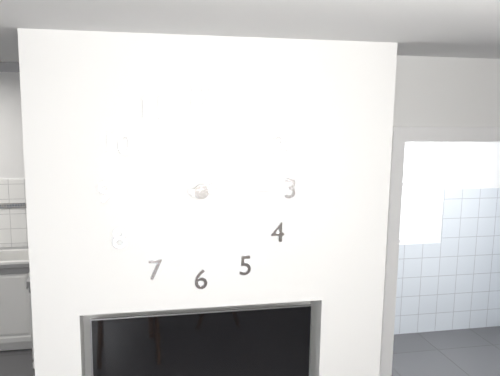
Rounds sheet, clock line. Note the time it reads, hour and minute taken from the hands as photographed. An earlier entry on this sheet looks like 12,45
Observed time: 2,15
